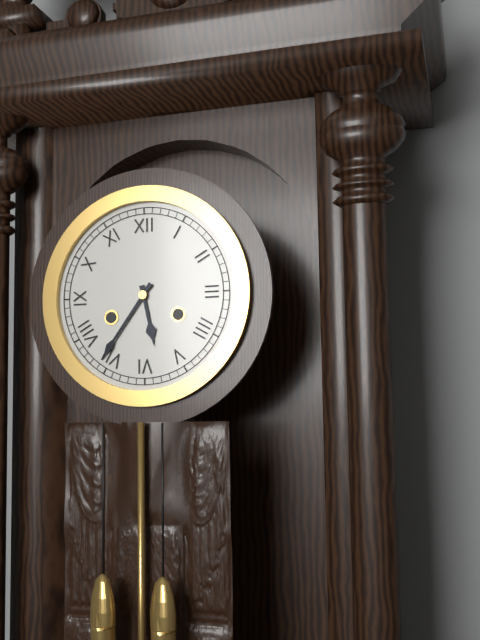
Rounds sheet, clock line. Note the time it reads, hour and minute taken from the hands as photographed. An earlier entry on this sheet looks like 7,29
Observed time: 5,36
